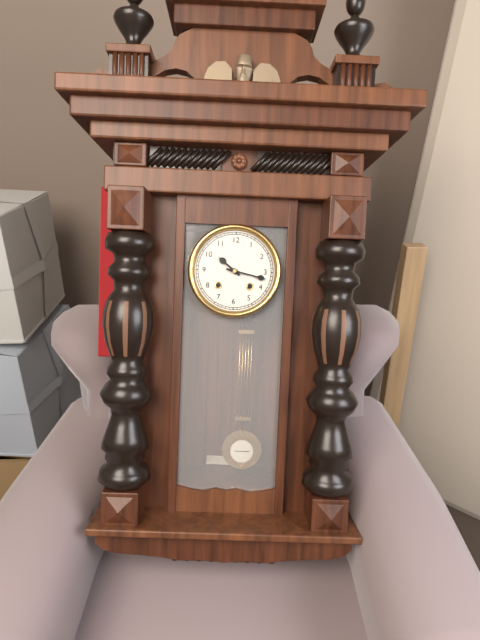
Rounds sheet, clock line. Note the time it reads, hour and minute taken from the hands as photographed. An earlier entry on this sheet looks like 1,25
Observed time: 10,17
